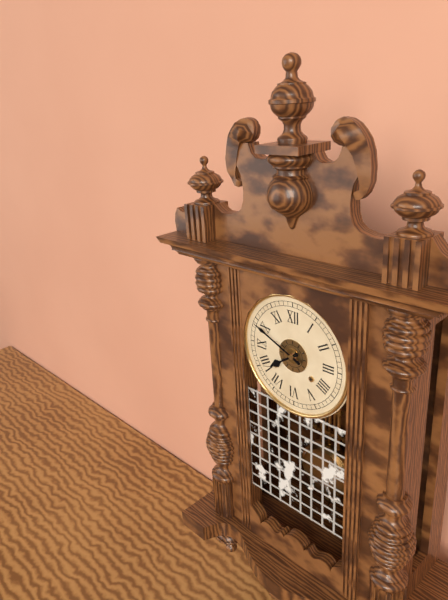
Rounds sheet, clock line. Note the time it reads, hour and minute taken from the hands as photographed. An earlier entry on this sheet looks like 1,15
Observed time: 7,49
